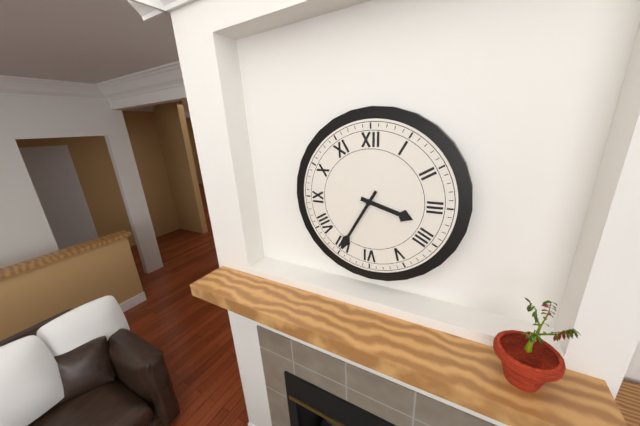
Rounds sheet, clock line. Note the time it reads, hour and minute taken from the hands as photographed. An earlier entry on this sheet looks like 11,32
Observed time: 3,35
